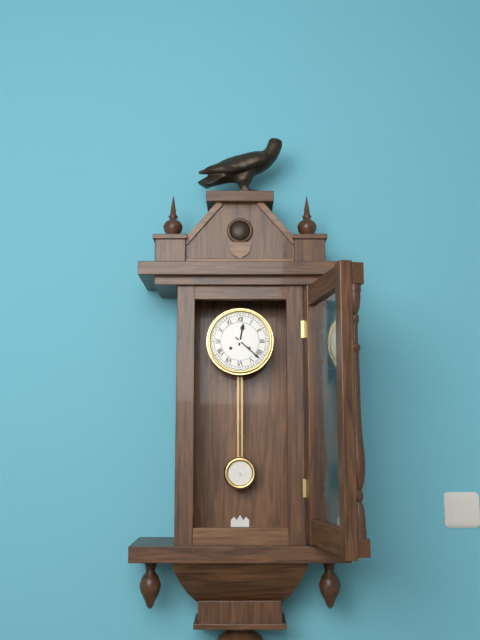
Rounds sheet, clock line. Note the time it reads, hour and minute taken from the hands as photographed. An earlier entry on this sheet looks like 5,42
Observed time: 12,22
